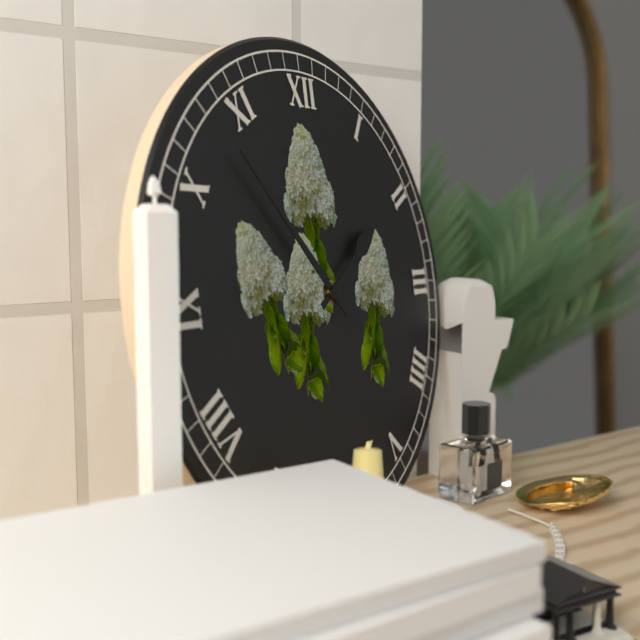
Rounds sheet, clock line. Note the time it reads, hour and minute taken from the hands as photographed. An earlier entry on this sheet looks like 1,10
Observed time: 1,53
